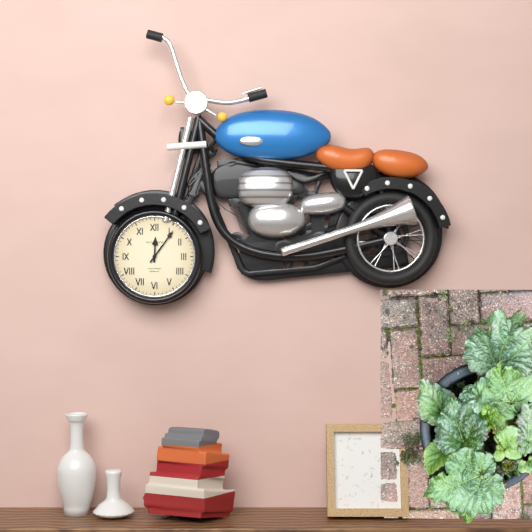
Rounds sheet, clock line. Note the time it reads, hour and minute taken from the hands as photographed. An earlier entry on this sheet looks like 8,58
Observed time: 12,06
